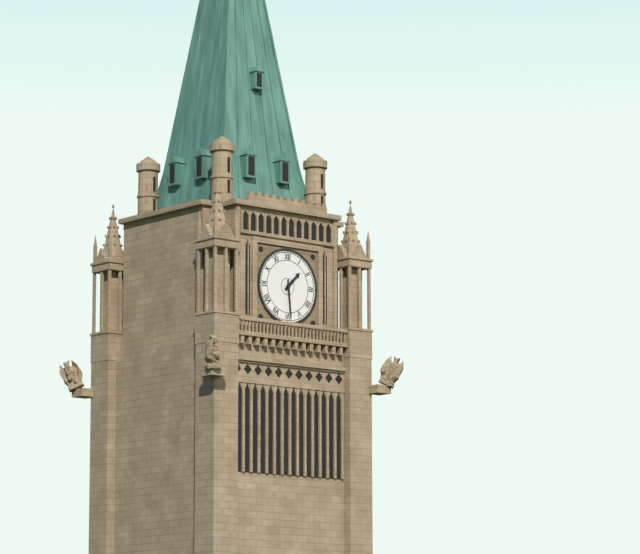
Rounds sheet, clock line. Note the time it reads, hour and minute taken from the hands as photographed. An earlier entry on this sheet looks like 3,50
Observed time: 1,29
